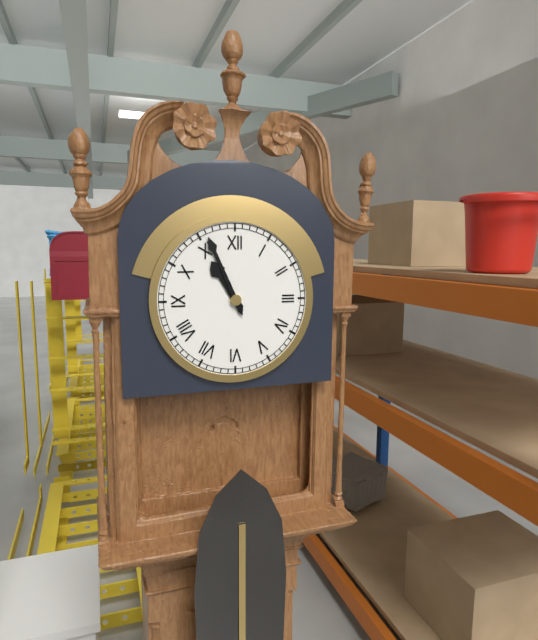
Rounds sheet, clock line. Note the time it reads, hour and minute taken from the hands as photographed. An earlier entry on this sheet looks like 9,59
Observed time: 10,56
